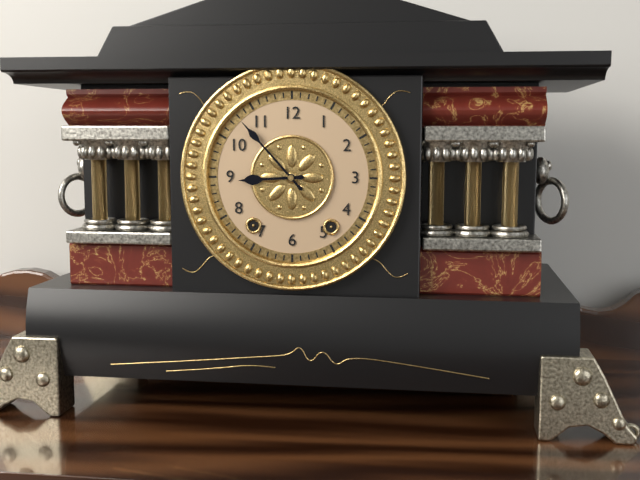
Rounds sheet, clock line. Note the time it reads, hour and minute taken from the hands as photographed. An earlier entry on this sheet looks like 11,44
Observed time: 8,53
